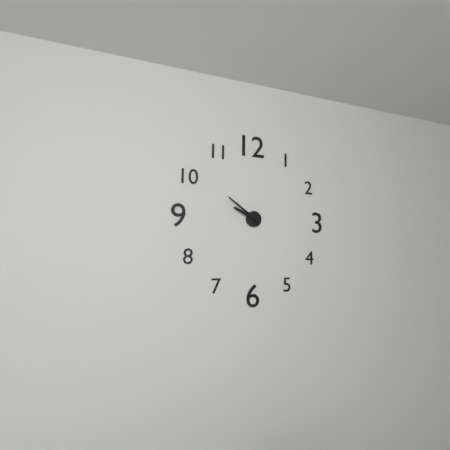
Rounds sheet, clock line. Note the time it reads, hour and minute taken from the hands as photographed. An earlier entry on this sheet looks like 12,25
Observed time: 9,51
